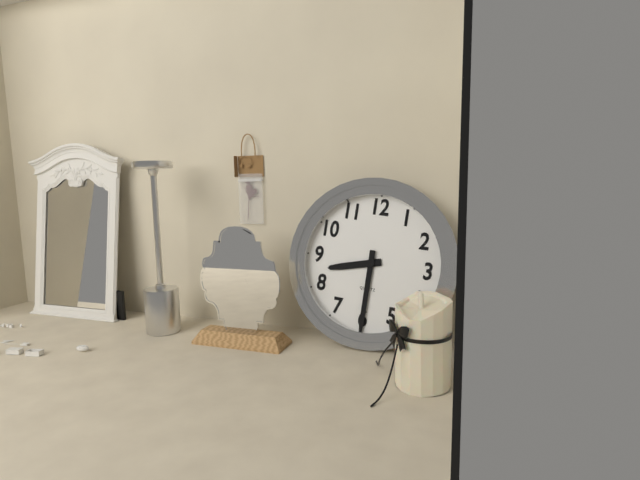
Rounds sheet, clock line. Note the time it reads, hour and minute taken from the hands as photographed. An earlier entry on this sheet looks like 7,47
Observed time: 8,30
